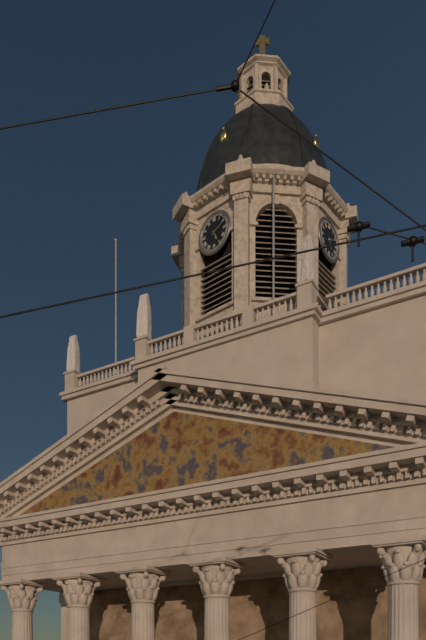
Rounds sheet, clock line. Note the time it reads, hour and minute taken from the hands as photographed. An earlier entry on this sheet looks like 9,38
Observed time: 5,11
